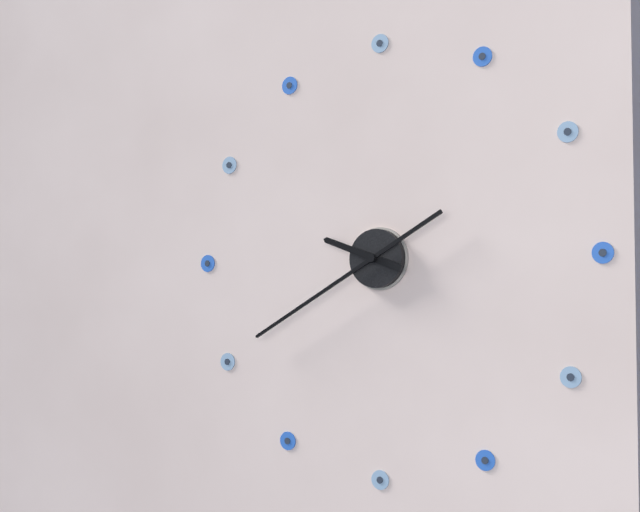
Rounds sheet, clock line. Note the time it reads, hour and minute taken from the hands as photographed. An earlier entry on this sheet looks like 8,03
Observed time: 9,40
